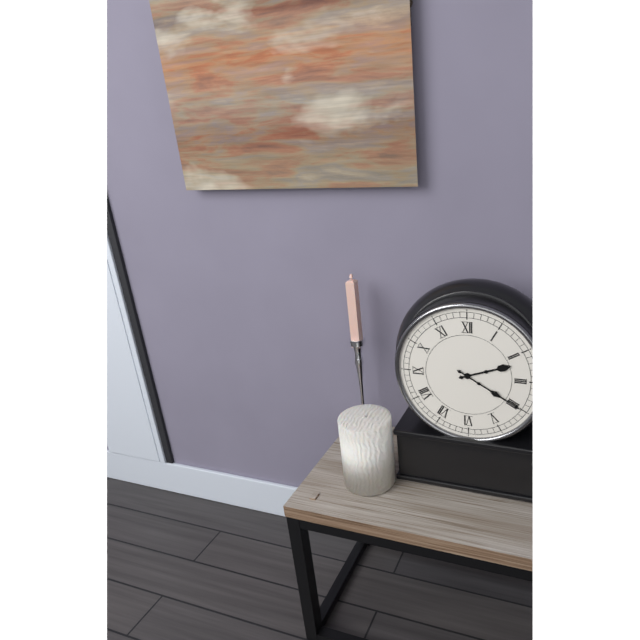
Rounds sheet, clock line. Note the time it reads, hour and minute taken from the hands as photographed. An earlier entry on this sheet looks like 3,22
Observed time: 2,20
